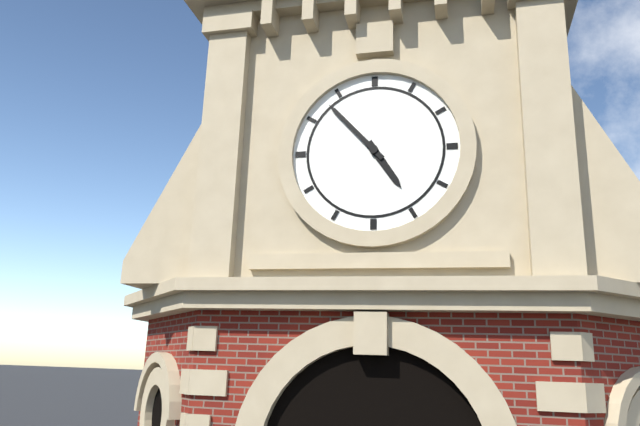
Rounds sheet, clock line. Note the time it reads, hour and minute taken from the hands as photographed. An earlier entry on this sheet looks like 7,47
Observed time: 4,53
